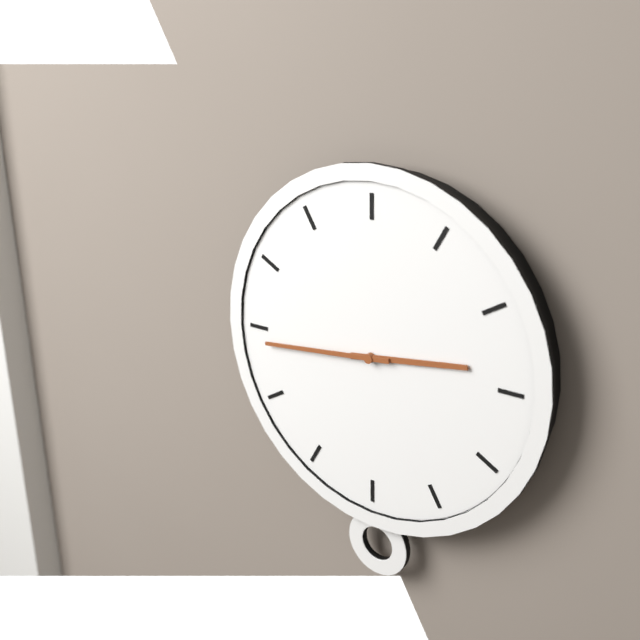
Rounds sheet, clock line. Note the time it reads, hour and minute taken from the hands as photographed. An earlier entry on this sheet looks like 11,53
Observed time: 2,44
